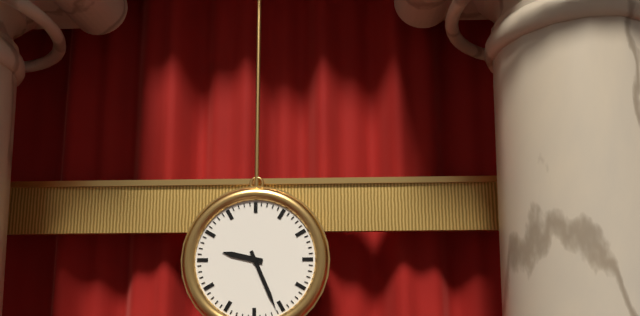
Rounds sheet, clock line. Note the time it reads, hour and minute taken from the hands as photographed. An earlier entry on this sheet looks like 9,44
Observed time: 9,26
